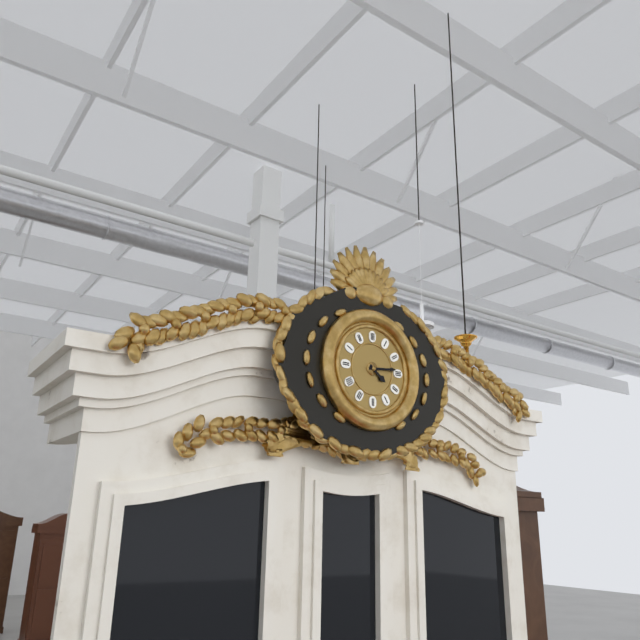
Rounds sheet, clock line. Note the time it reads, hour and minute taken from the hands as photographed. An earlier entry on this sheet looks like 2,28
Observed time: 4,14
